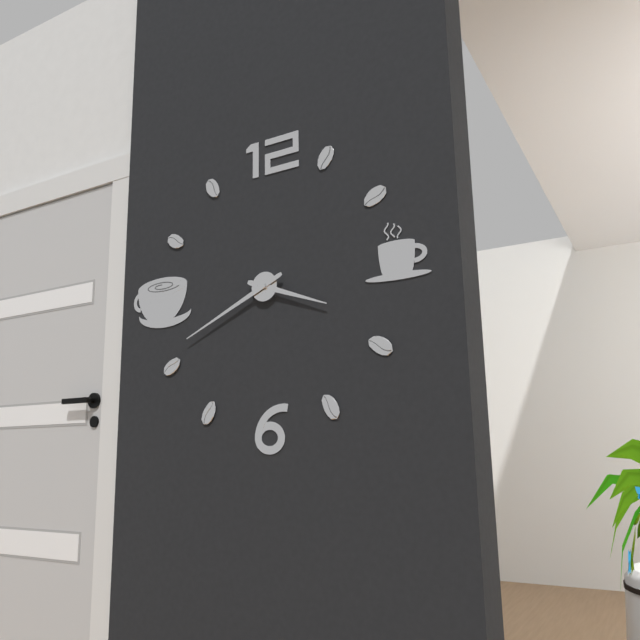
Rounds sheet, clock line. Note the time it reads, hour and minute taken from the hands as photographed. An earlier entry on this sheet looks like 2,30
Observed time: 3,41
